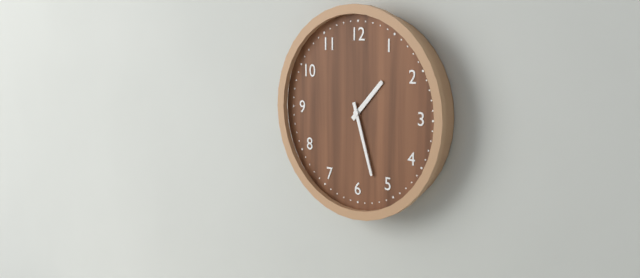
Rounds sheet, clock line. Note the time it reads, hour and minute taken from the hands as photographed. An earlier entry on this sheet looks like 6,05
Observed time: 1,27
